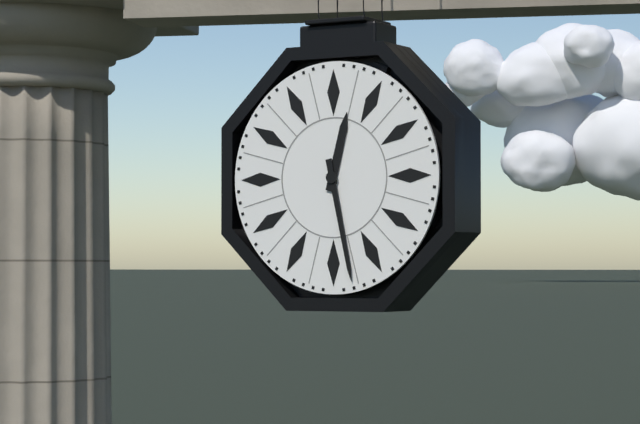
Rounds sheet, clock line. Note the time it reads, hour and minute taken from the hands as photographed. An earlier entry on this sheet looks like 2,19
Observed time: 12,28
